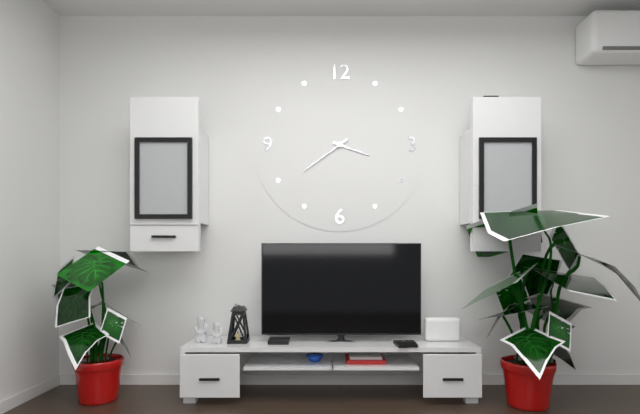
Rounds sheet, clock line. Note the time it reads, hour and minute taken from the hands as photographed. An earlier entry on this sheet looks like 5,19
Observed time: 3,39
